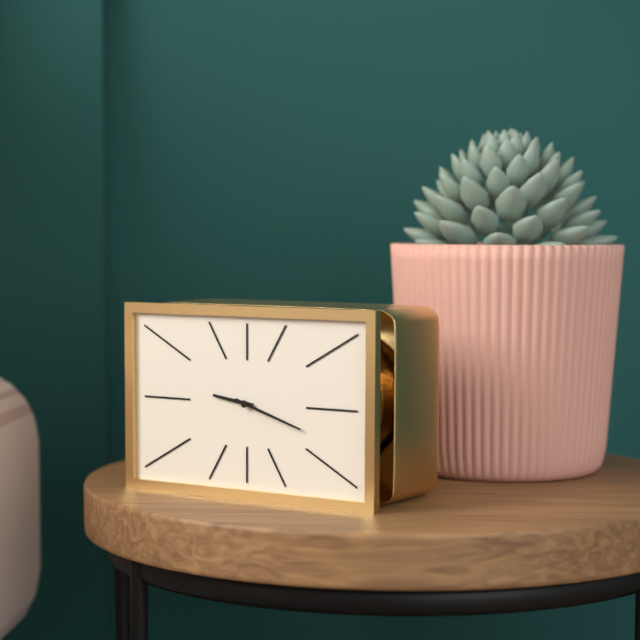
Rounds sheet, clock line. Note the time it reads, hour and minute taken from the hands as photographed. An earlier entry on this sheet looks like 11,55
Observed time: 9,18
